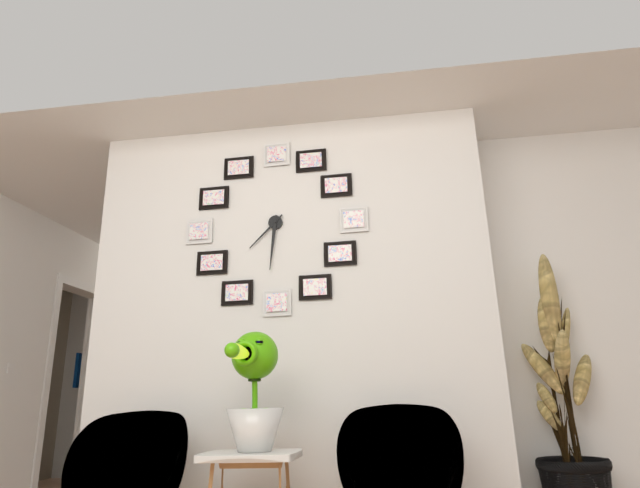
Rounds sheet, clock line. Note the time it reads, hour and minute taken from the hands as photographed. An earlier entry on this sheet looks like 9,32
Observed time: 7,31
